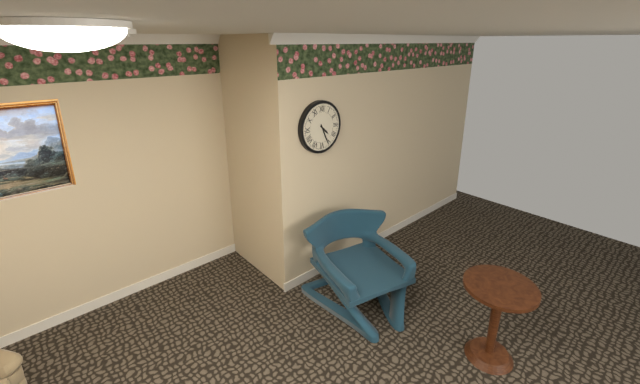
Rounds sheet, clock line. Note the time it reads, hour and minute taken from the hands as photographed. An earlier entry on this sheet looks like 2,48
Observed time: 4,26
